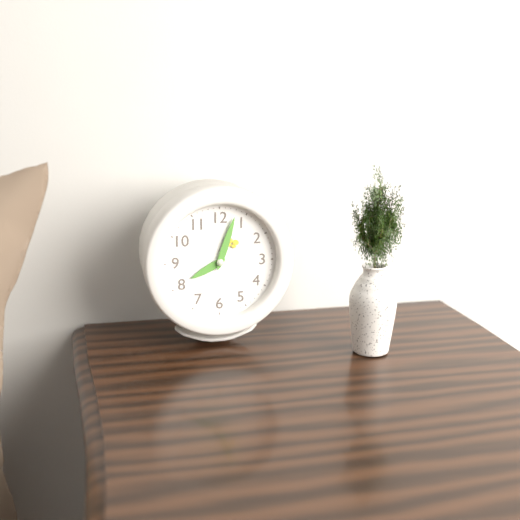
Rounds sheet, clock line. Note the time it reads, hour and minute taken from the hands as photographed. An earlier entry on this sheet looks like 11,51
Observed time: 8,03
